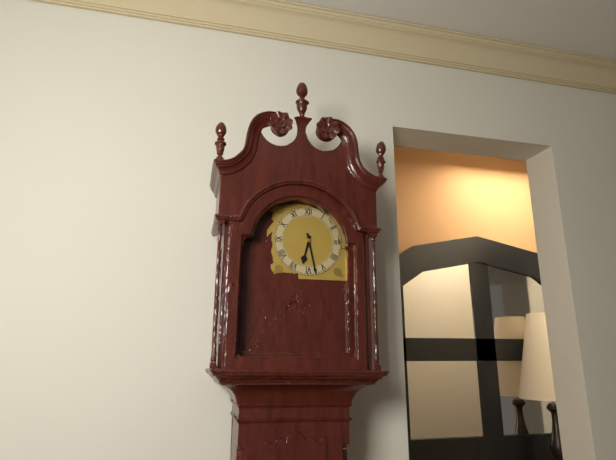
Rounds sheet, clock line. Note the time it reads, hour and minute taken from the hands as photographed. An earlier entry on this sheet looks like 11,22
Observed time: 6,28
